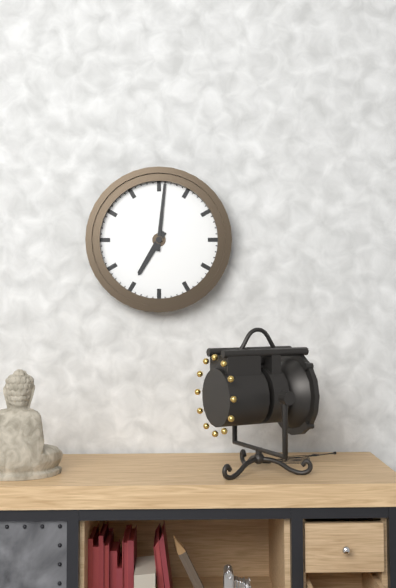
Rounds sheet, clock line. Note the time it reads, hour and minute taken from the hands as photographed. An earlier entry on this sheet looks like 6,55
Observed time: 7,01
